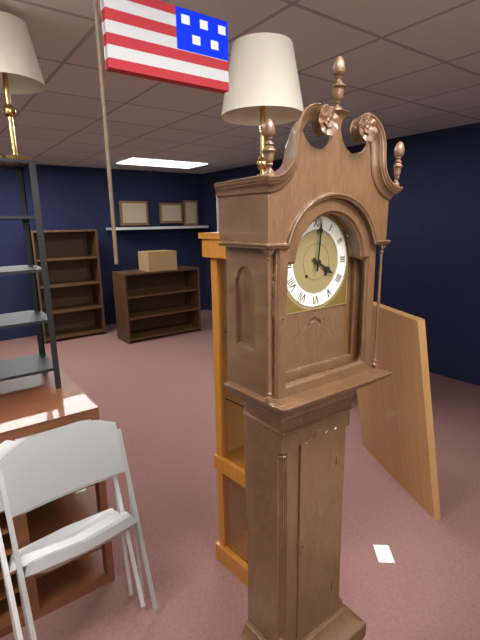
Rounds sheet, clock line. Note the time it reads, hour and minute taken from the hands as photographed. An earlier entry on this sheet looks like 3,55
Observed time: 4,01
